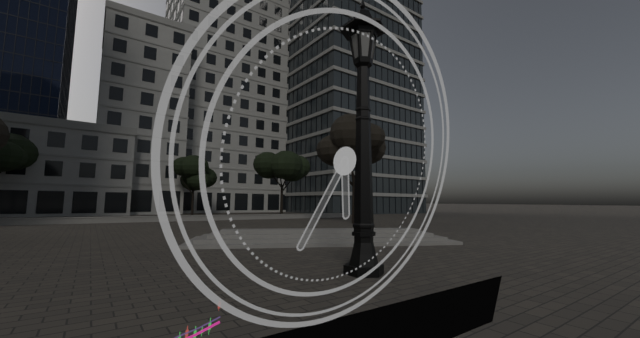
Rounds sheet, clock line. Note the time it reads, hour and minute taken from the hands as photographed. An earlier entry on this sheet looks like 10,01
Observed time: 5,34
